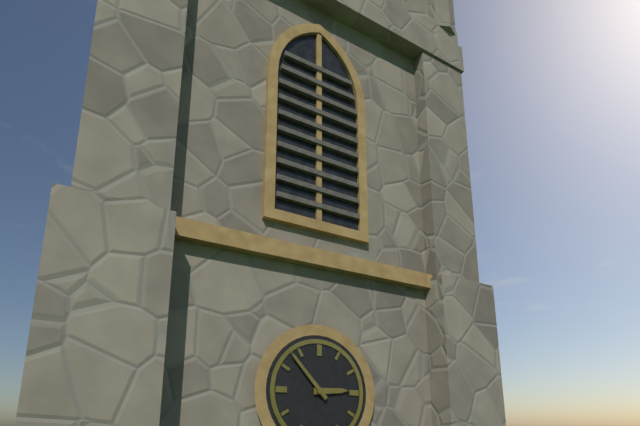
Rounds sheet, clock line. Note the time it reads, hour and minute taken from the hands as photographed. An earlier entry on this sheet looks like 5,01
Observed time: 2,53
